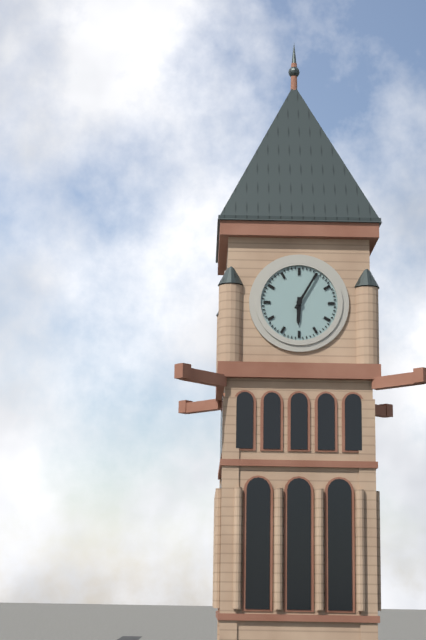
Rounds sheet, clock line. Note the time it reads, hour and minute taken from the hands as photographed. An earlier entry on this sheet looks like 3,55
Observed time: 6,05
